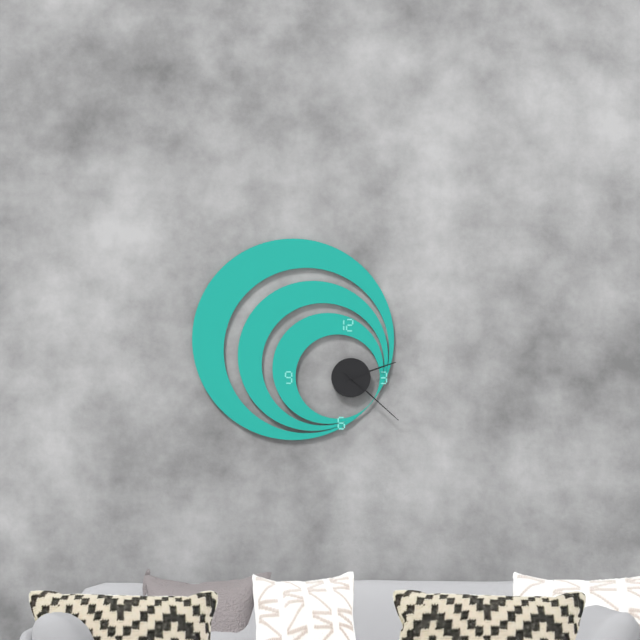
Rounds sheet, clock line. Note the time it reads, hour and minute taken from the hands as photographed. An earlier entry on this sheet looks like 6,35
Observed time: 2,22
